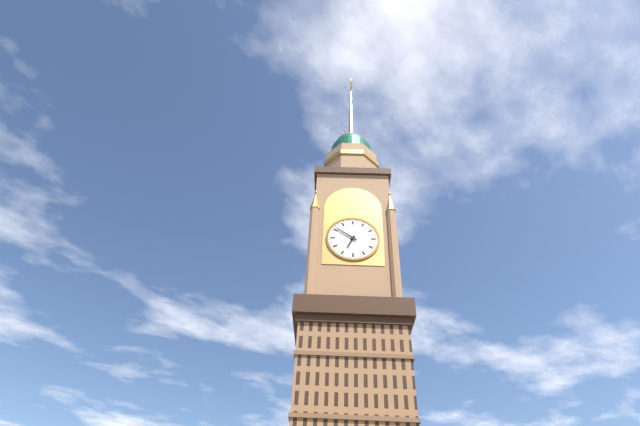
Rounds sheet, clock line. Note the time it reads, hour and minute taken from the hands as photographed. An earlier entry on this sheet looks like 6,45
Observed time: 6,51
